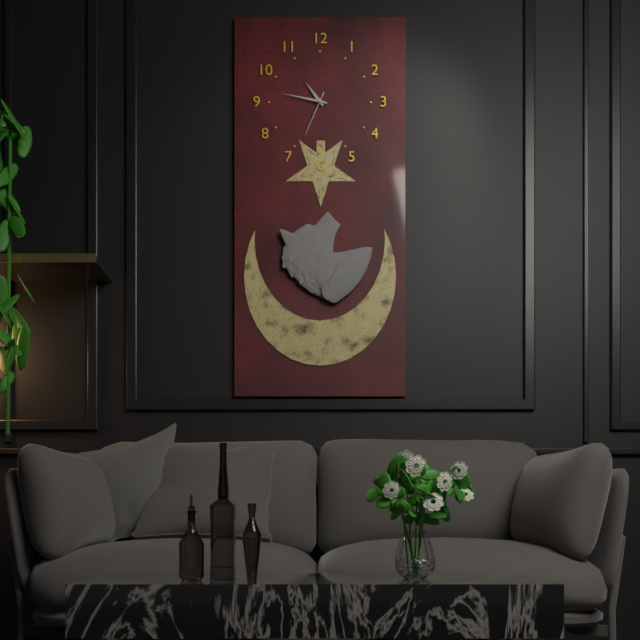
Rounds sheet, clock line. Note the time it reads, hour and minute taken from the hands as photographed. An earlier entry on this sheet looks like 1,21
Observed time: 10,47
